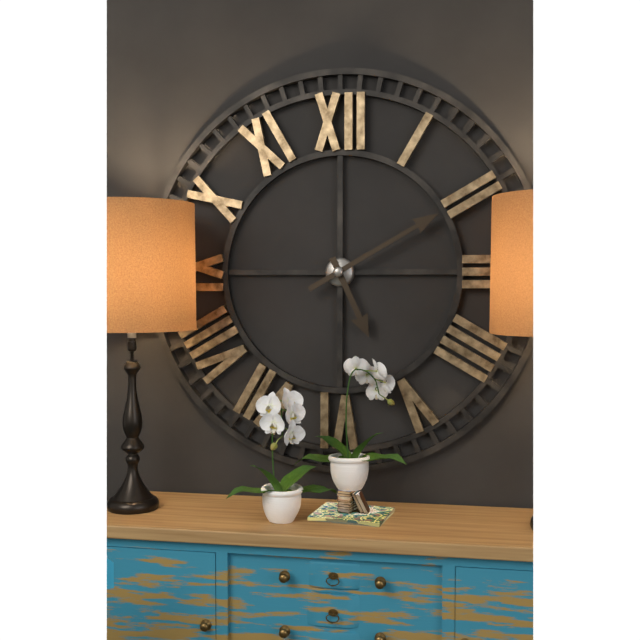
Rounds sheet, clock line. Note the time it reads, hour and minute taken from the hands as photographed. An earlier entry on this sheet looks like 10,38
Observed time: 5,10
